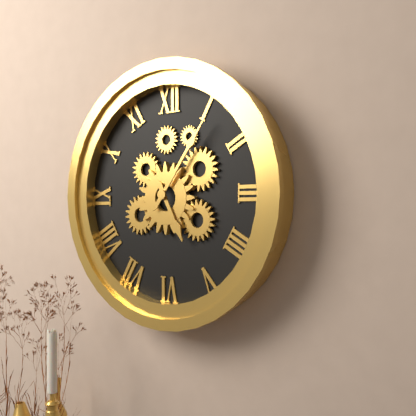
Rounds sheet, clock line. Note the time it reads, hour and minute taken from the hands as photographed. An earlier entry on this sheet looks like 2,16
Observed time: 5,06
